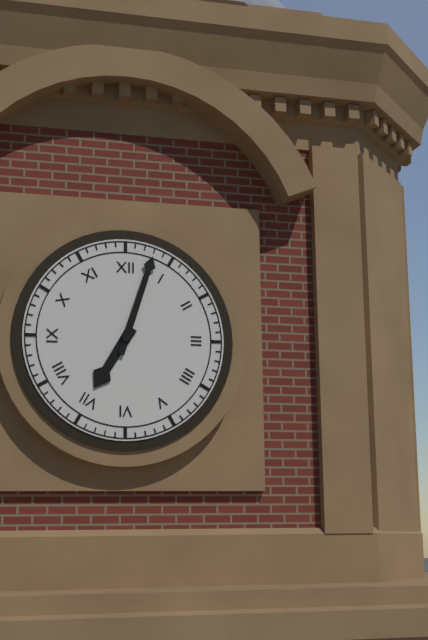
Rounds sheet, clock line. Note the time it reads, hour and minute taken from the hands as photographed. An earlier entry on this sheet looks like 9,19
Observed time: 7,03
